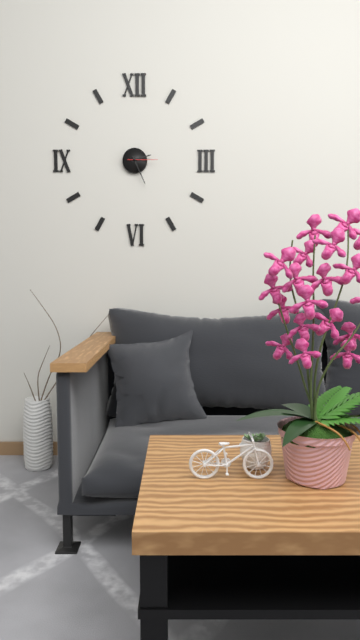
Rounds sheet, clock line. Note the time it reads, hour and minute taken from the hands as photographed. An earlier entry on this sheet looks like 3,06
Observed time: 2,26
